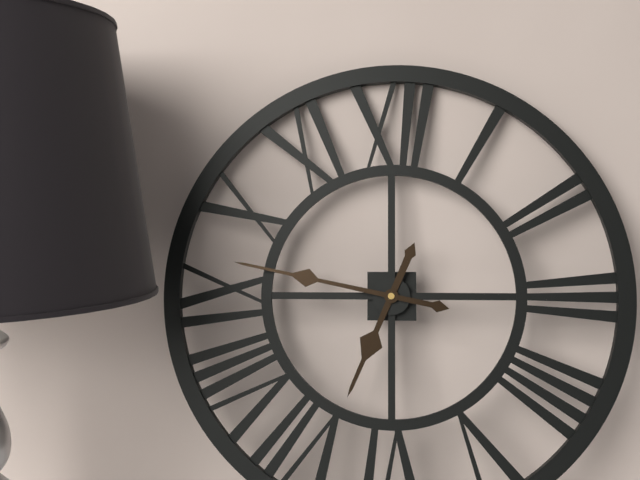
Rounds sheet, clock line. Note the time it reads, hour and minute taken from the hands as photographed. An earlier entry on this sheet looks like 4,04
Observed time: 6,47
